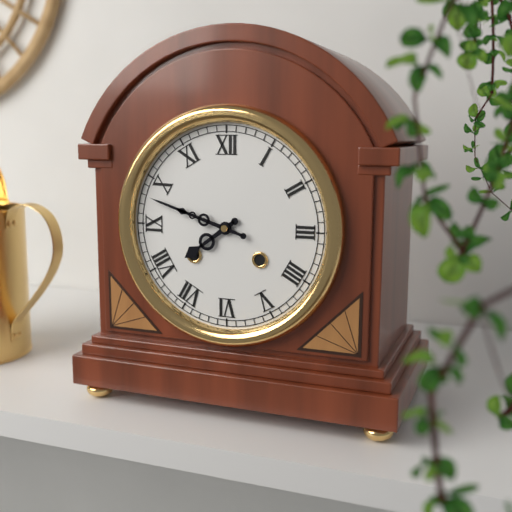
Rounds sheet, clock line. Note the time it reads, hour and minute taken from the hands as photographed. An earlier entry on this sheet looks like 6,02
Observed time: 7,48
